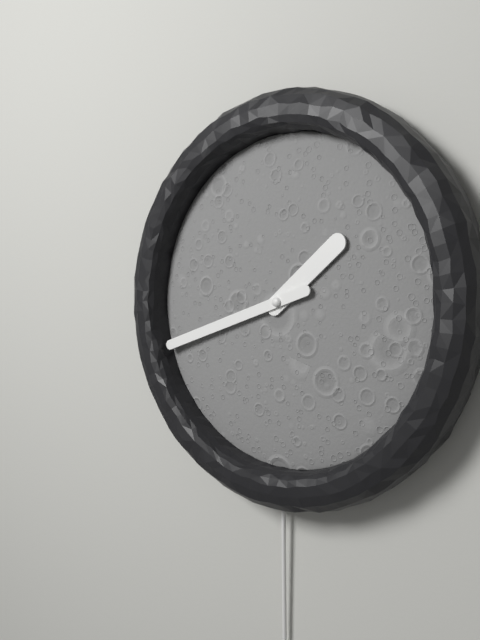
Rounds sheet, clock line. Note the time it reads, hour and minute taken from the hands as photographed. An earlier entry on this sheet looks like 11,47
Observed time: 1,42
